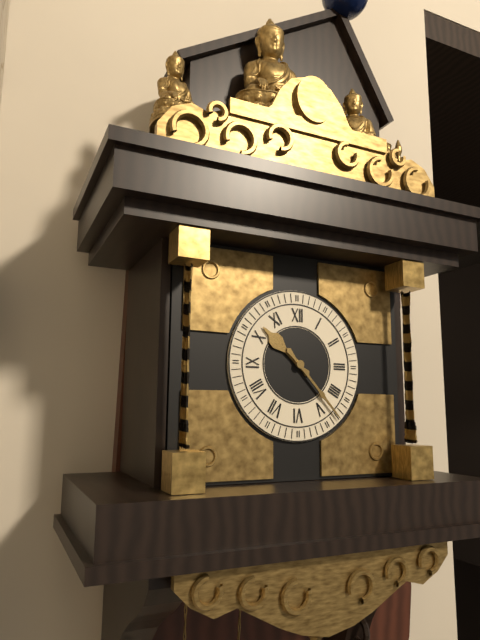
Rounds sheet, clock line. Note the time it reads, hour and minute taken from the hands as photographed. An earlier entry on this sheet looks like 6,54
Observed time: 10,23
